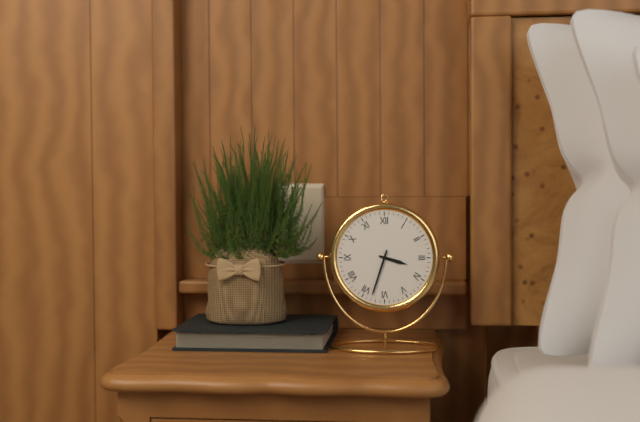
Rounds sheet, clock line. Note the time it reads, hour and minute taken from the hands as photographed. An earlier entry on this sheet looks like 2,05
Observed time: 3,33
